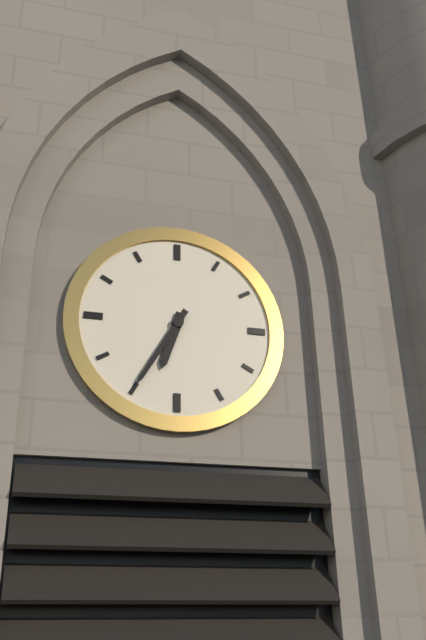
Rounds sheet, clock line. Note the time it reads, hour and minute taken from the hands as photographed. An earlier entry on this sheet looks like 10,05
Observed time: 6,35
